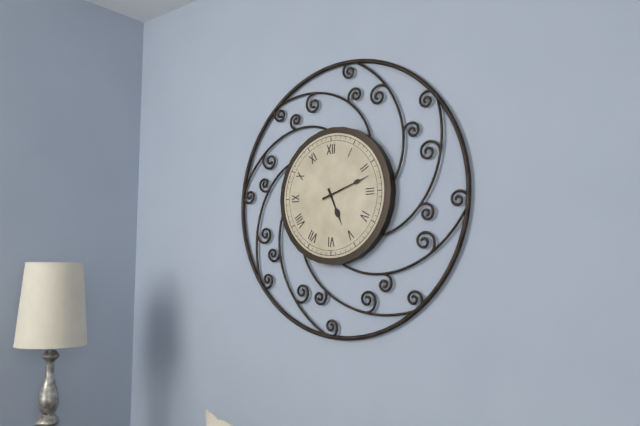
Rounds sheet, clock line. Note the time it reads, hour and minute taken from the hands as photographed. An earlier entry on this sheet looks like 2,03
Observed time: 5,12
